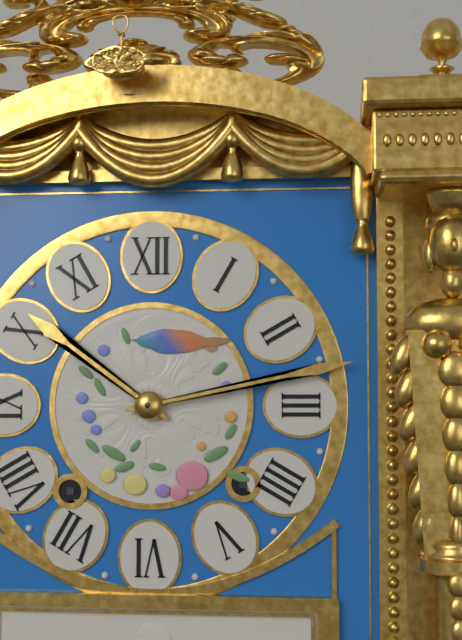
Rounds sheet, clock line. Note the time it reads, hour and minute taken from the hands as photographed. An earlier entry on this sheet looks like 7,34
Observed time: 10,13
